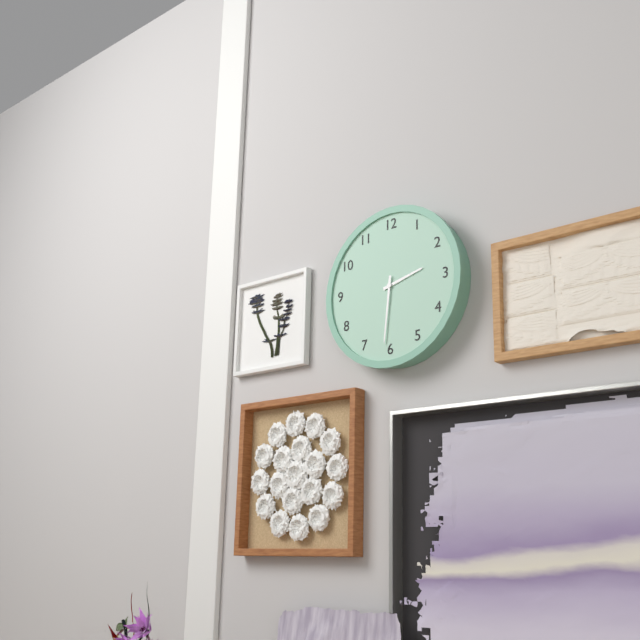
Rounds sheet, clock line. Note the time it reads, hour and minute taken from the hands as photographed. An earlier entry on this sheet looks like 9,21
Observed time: 2,31
